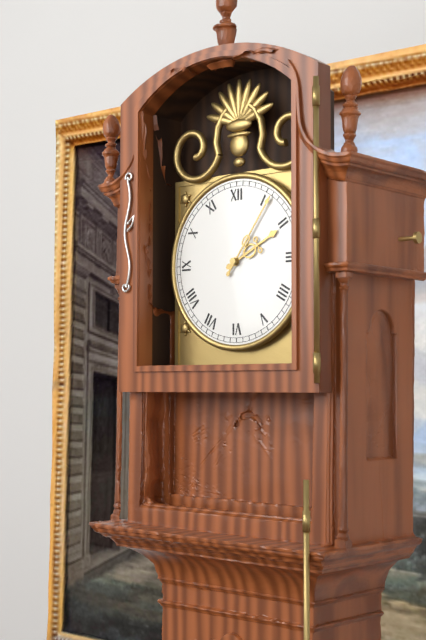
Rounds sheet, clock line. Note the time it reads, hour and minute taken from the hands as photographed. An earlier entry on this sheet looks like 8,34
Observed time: 2,06
